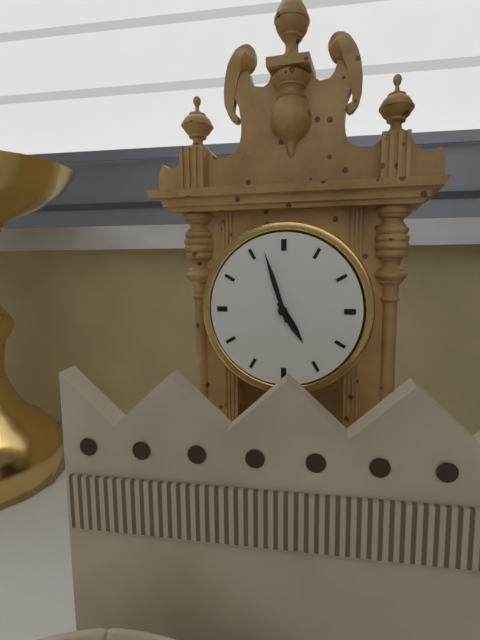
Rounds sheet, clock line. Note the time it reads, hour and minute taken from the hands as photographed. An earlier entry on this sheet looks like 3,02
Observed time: 4,57
